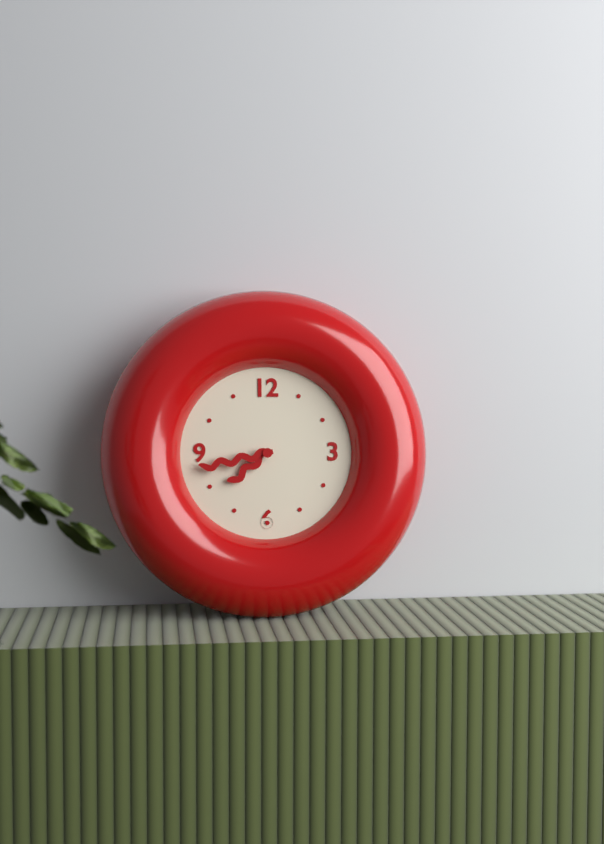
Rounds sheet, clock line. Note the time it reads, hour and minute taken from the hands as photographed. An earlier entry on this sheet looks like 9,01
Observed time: 7,43
